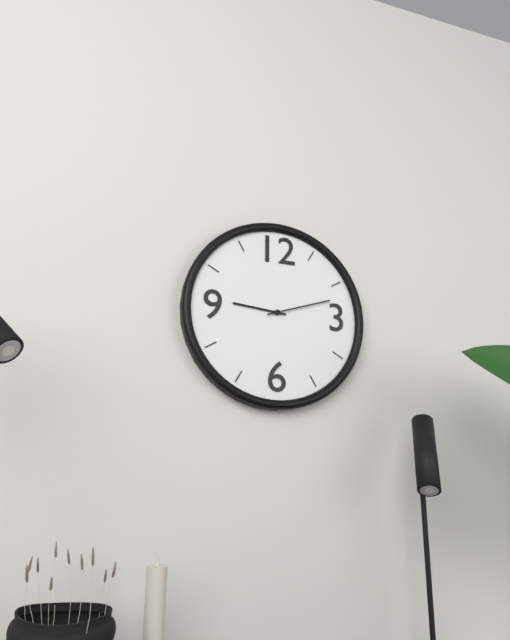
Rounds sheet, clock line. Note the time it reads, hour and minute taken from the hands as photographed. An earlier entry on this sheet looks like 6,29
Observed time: 9,12
